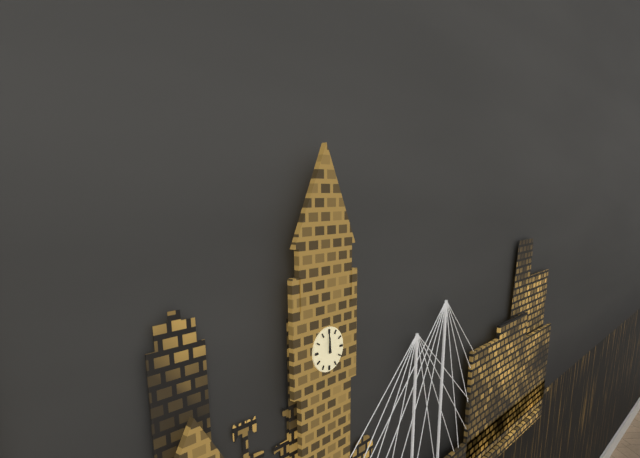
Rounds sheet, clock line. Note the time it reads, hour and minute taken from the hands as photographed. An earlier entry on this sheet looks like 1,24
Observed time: 11,59
